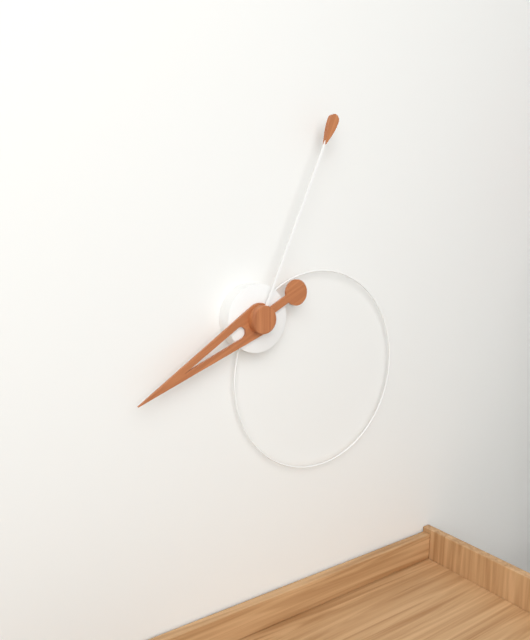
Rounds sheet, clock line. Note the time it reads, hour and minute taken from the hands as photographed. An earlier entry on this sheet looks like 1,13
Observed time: 8,04
